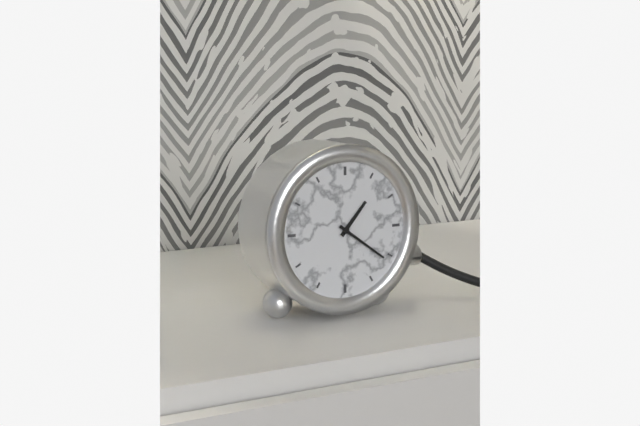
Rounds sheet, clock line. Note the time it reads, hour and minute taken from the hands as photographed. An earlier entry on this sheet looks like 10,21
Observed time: 1,21
